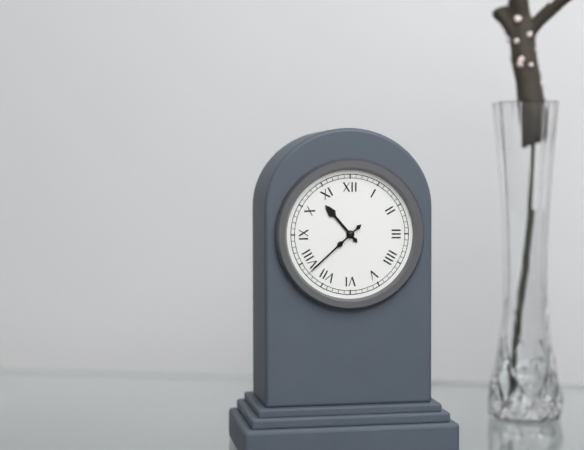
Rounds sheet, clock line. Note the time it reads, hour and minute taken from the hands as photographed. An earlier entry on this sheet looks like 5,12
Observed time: 10,38
